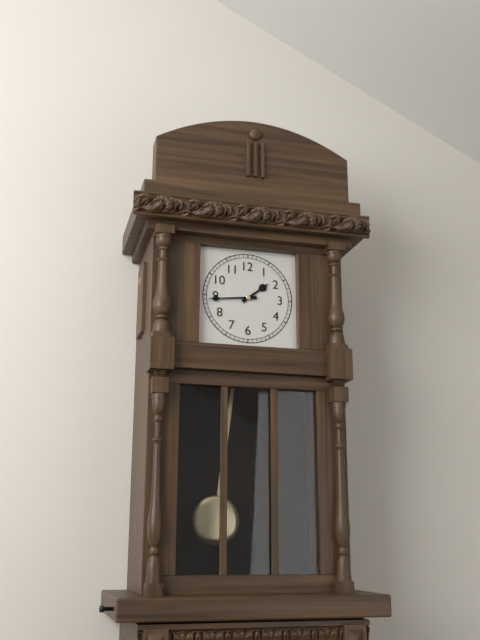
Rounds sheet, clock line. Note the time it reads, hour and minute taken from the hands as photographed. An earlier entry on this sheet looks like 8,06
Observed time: 1,44
